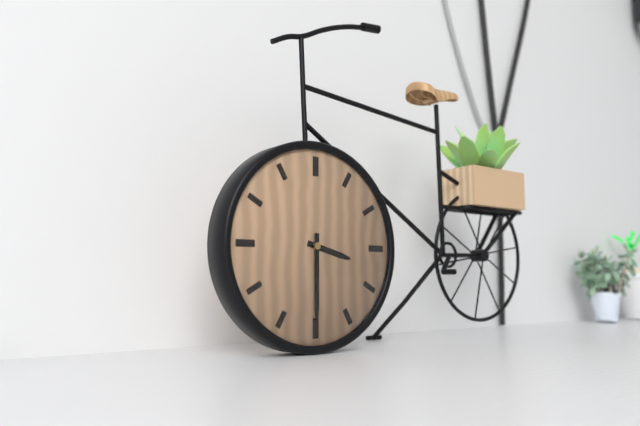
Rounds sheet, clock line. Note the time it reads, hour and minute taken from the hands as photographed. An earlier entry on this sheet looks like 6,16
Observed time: 3,30
